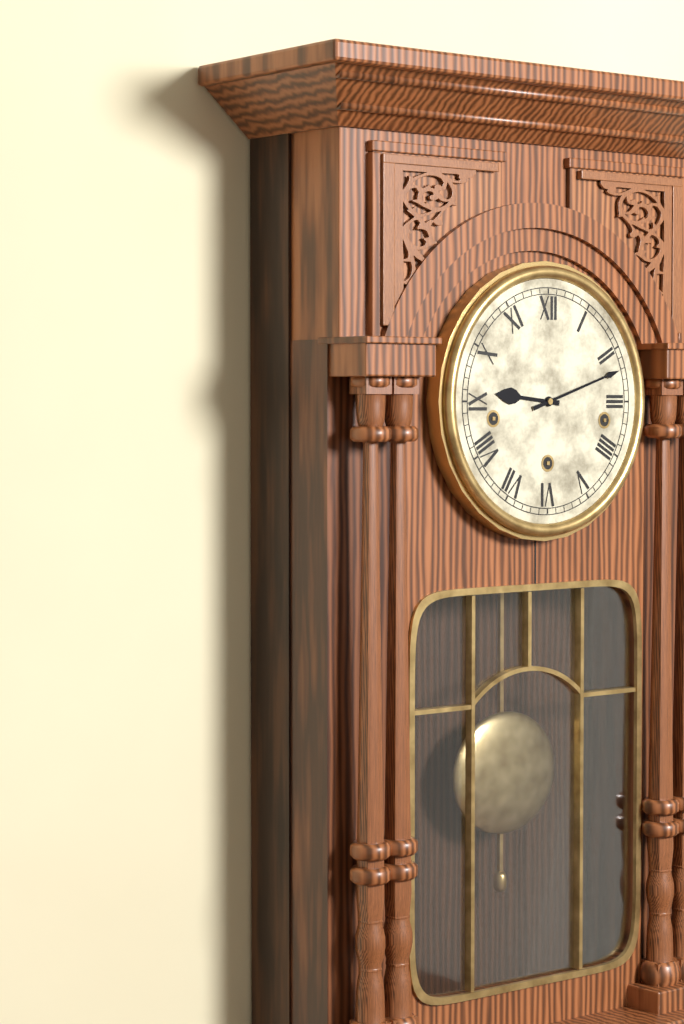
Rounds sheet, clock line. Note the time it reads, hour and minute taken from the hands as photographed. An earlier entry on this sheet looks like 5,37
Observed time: 9,12
